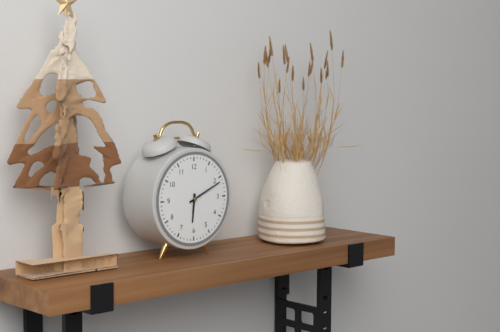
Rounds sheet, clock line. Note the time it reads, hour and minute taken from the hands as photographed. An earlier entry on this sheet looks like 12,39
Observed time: 6,11
